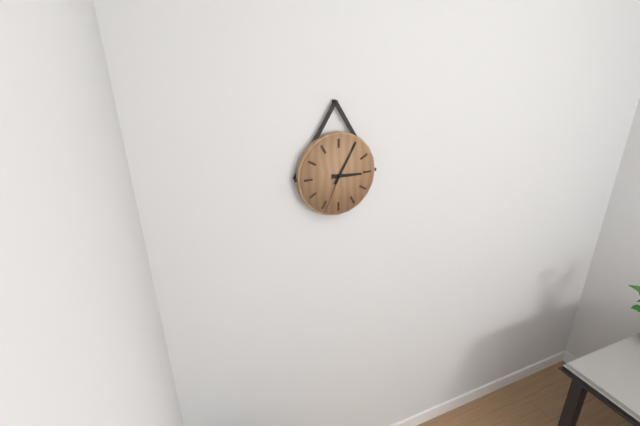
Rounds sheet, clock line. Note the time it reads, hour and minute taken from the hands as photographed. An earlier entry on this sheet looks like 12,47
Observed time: 3,05
